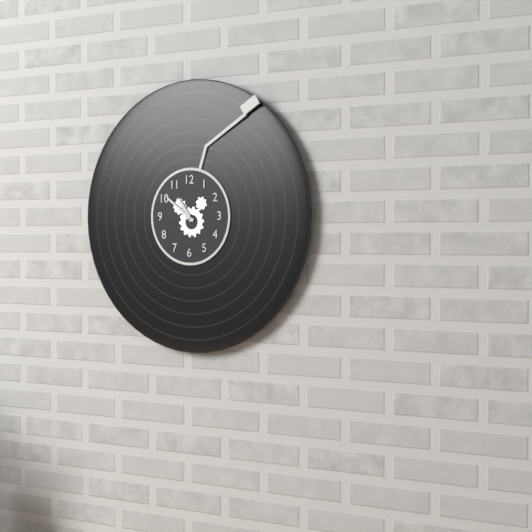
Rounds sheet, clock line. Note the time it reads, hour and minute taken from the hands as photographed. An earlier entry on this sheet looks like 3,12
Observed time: 10,51
